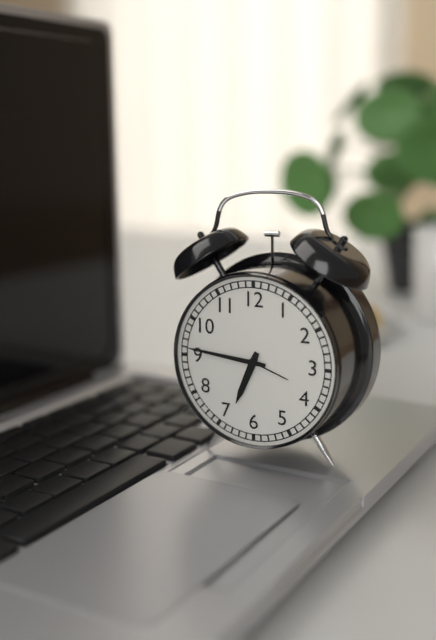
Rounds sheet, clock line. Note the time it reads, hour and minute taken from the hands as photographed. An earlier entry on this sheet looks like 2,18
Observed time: 6,46
